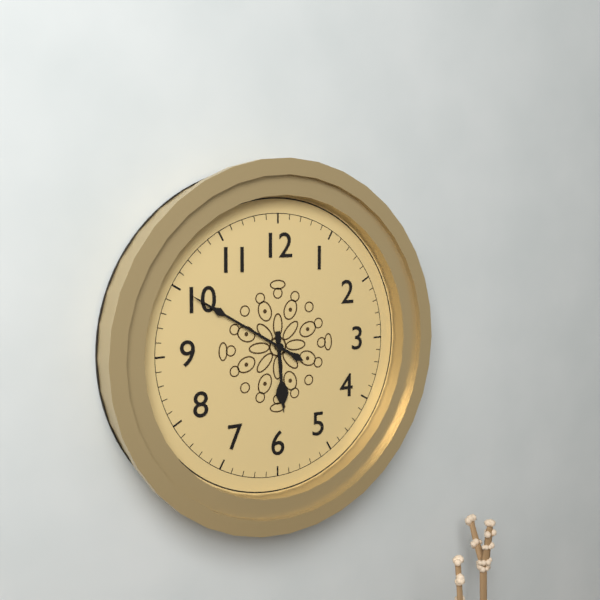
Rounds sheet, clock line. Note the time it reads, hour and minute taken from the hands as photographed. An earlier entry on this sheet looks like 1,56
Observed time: 5,50
